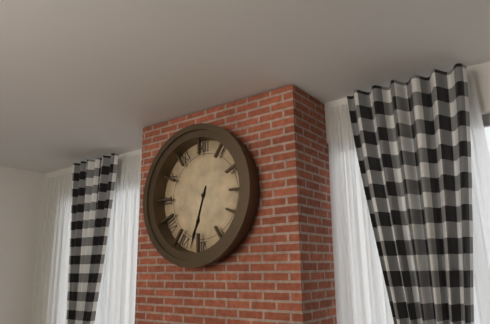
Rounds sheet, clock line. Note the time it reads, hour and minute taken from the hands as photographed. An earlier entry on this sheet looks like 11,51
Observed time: 6,33
